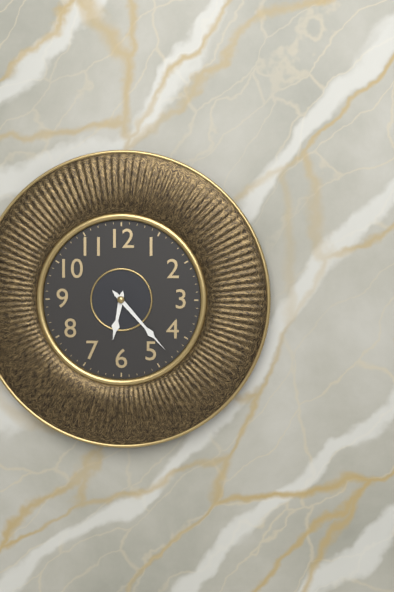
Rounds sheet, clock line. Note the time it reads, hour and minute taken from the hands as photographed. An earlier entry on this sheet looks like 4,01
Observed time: 6,23
